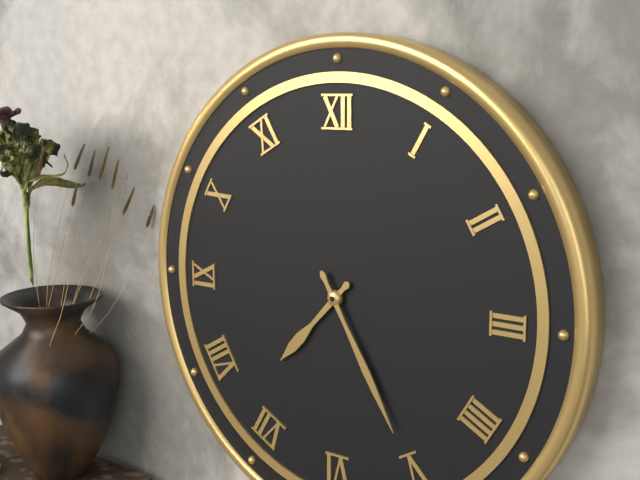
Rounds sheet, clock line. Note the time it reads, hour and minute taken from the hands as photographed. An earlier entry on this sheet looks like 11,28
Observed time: 7,25
